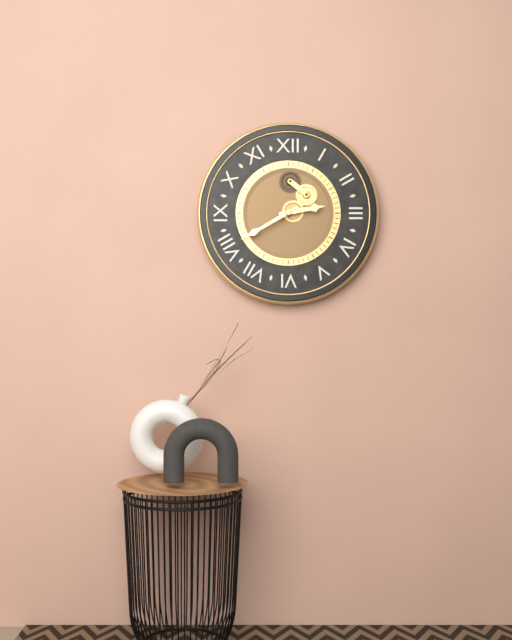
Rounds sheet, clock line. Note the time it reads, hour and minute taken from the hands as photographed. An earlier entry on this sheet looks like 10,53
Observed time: 2,40
